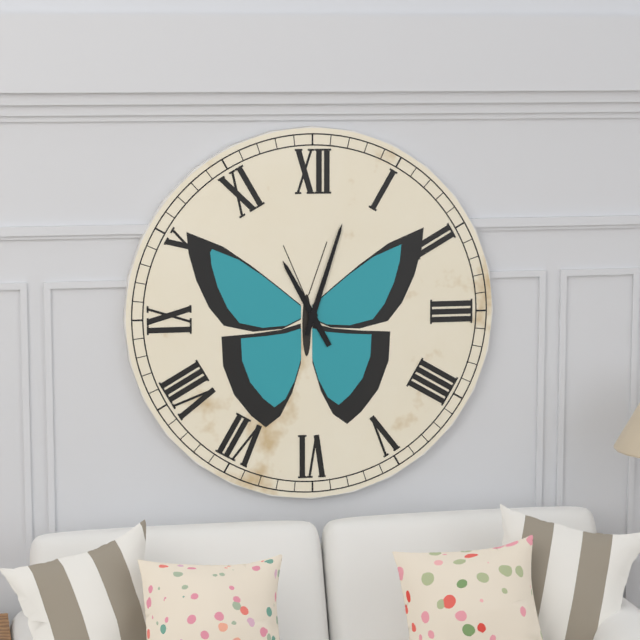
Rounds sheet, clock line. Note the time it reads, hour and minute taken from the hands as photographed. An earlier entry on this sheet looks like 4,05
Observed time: 11,03
